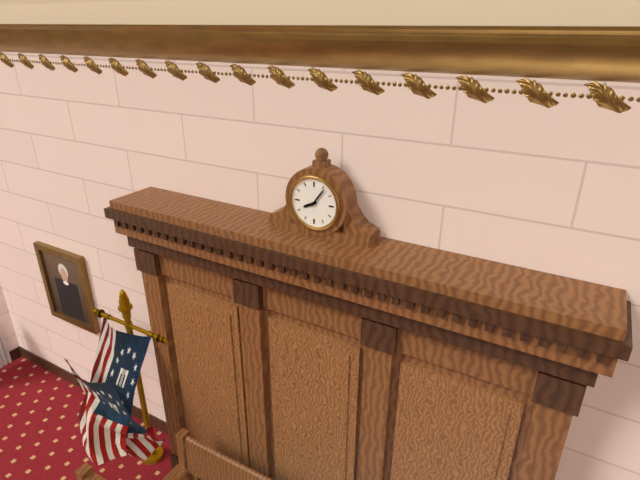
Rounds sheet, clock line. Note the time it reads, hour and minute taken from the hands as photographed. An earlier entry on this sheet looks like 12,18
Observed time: 8,06
